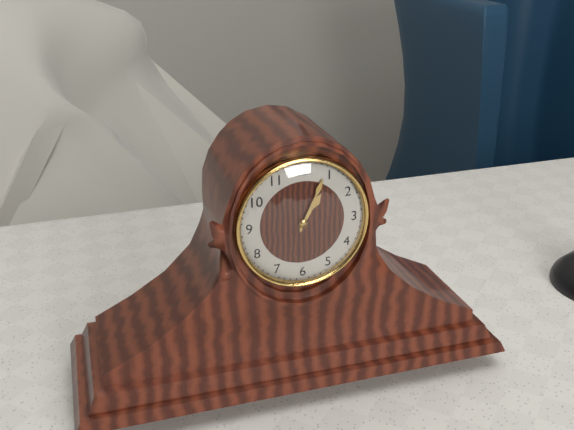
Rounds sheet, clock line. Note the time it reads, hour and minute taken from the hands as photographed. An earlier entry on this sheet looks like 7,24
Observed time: 1,04
